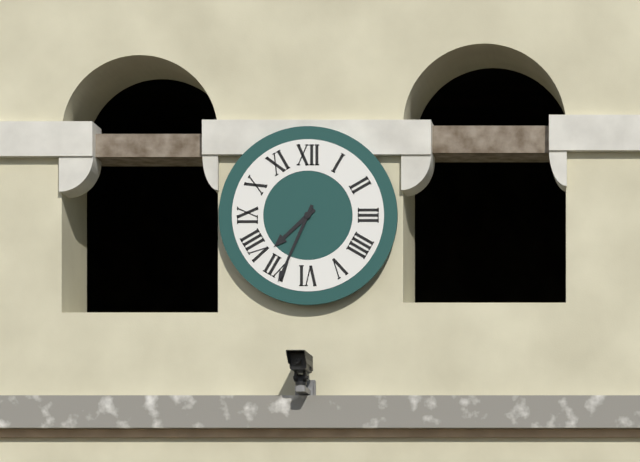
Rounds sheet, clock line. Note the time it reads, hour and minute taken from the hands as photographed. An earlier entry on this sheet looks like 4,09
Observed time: 7,34
